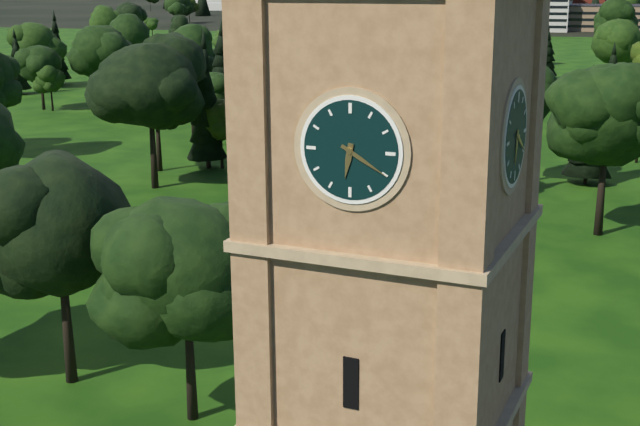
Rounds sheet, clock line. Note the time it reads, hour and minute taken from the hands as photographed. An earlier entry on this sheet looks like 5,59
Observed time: 6,20
